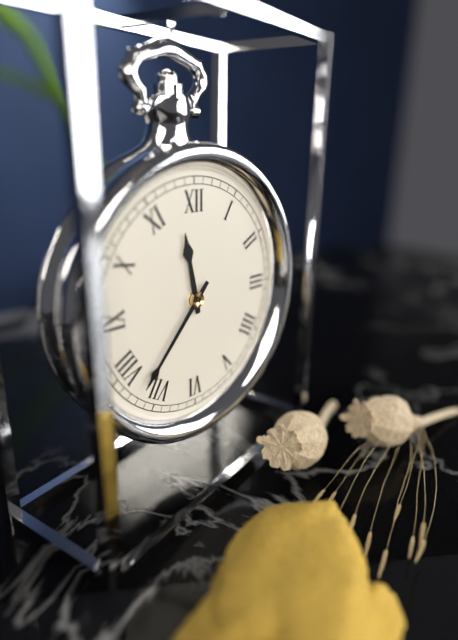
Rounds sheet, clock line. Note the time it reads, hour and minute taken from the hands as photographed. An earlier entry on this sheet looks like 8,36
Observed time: 11,37
